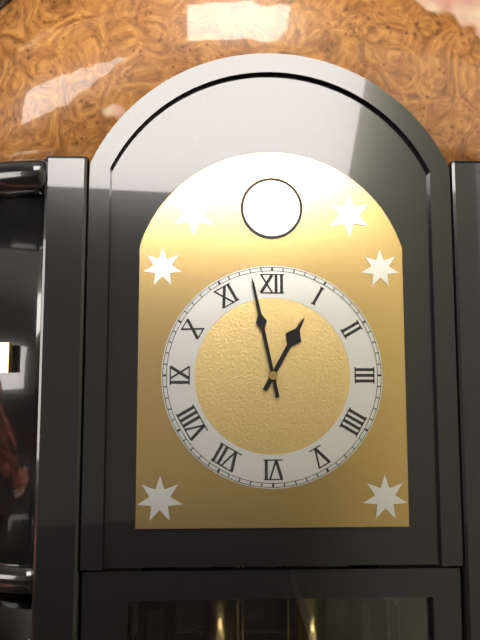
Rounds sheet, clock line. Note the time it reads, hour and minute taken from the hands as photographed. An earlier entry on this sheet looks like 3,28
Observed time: 12,58
